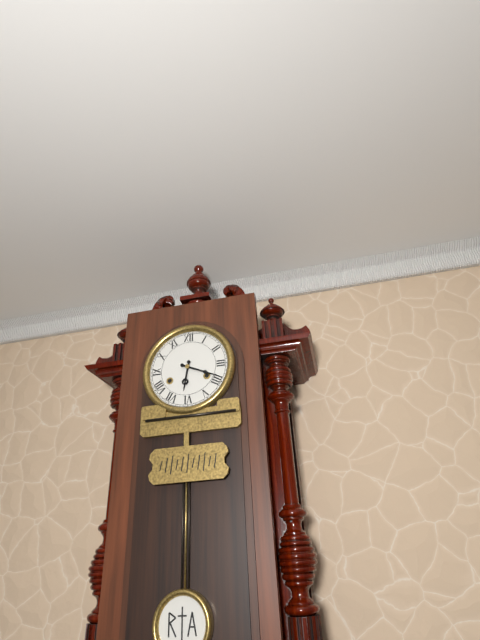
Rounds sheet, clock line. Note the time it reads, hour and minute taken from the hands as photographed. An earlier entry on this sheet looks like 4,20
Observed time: 6,19
